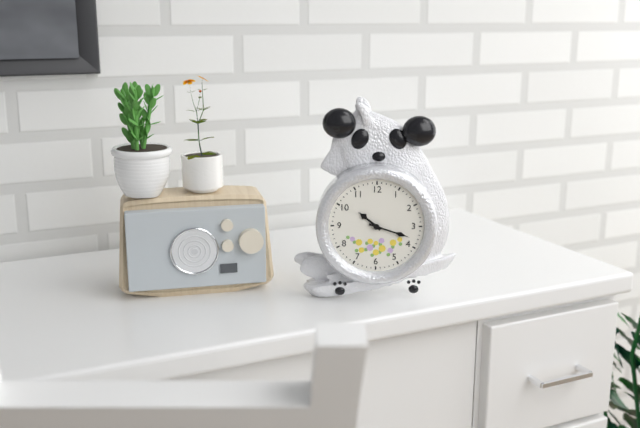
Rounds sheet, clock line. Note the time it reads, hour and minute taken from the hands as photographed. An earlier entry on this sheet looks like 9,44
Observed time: 10,18
